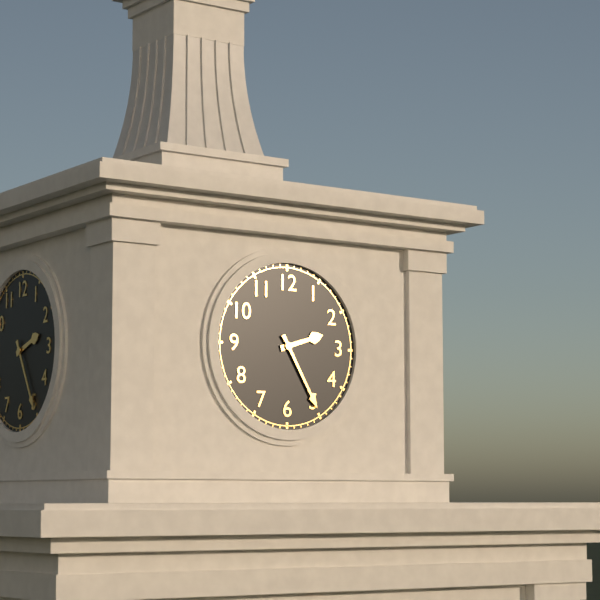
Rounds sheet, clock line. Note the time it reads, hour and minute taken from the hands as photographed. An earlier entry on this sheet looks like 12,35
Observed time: 2,25
